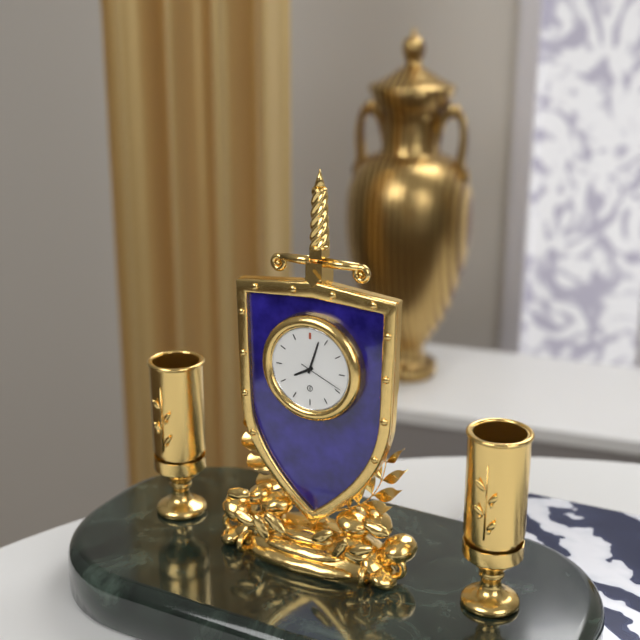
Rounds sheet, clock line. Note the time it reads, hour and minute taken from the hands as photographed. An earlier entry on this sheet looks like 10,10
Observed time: 8,03
